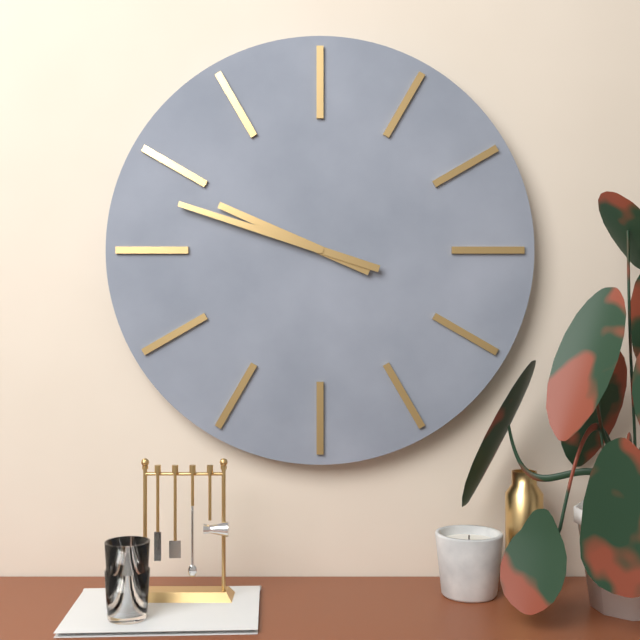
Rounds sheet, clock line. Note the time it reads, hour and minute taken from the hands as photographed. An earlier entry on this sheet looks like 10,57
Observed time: 9,48
